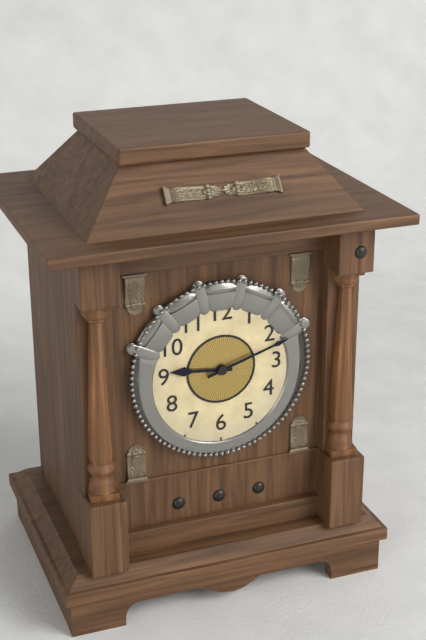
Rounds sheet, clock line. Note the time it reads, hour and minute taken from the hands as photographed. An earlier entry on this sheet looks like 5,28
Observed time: 9,12
